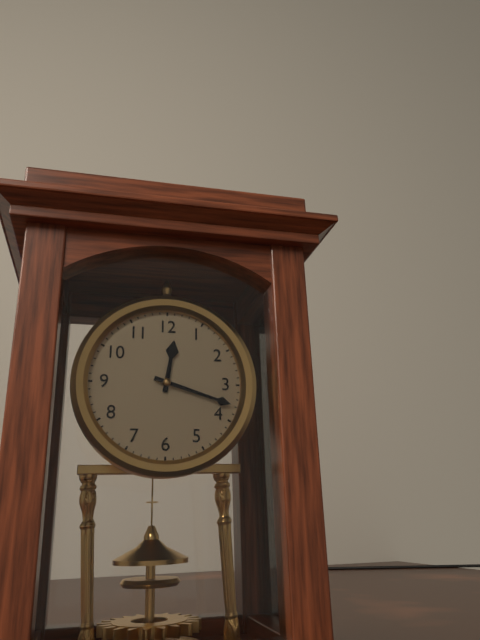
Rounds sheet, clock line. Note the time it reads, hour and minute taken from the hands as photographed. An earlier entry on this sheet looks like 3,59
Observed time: 12,18
